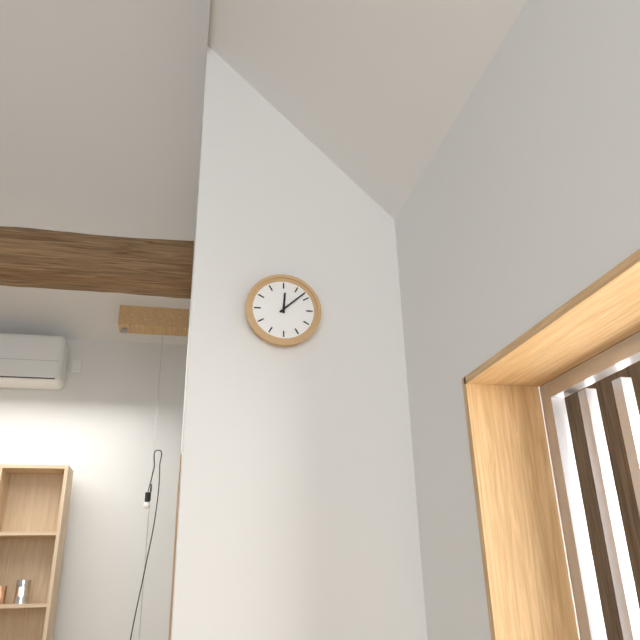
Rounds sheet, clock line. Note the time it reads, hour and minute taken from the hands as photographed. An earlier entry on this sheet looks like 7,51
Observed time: 12,08
